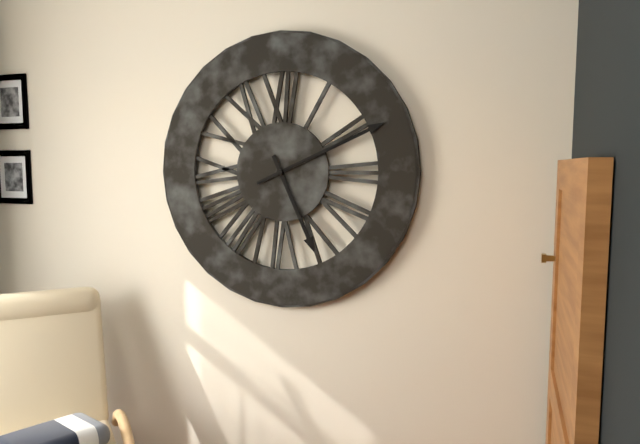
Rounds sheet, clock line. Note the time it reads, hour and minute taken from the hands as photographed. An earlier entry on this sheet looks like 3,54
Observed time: 5,11
